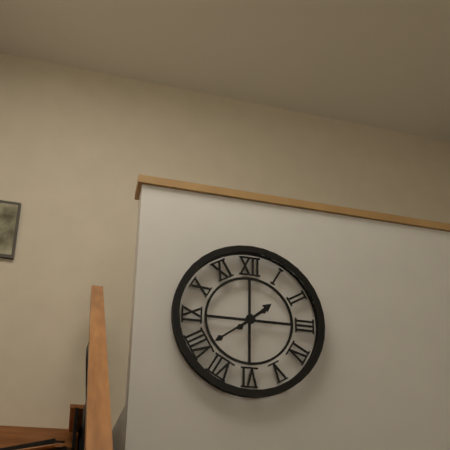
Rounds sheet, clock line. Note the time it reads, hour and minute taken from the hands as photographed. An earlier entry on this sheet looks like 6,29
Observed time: 1,39
